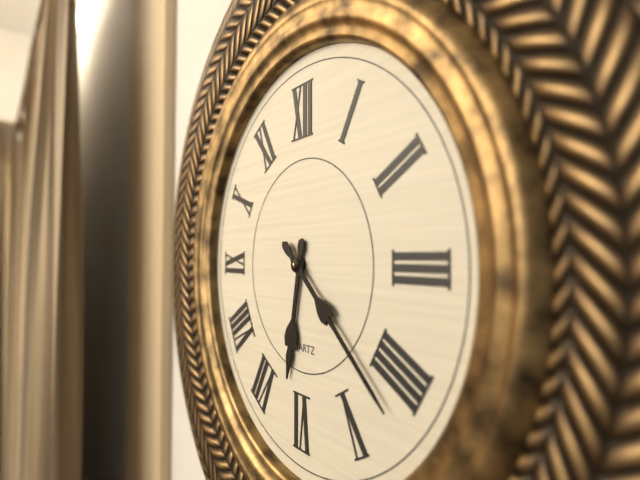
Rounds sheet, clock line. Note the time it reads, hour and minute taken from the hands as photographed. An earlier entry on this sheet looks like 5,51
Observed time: 6,22
